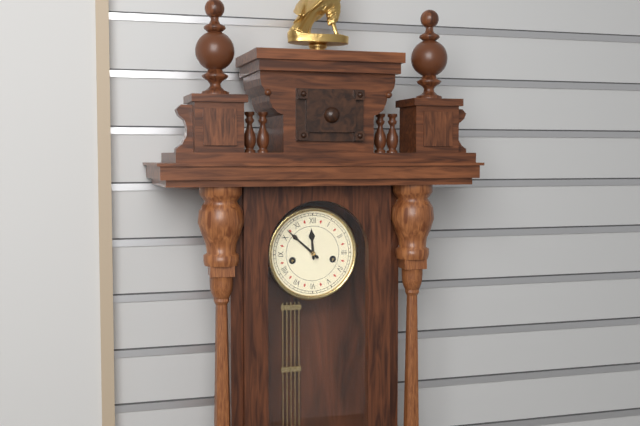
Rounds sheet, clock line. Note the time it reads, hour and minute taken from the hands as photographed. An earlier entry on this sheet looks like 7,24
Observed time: 11,52
